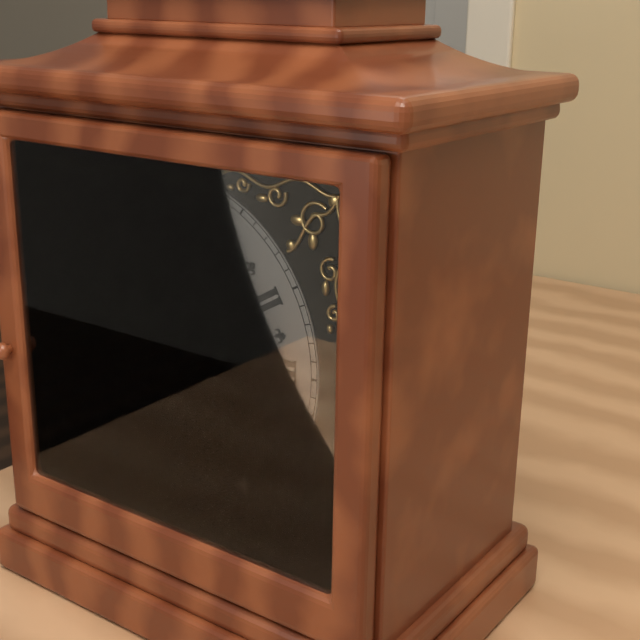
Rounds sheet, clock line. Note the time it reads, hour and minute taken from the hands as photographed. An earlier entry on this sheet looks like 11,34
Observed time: 1,18
